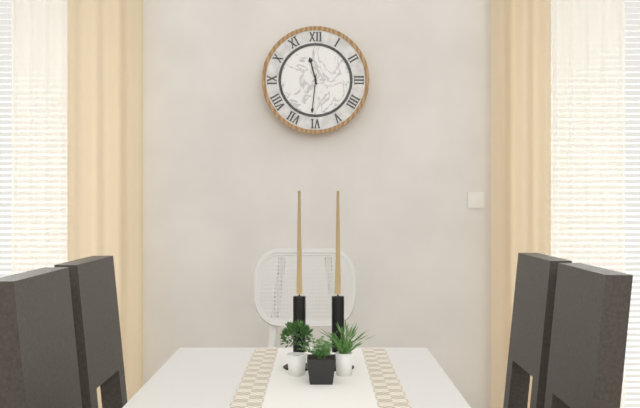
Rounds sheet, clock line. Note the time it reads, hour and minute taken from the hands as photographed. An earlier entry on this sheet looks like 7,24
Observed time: 11,31
